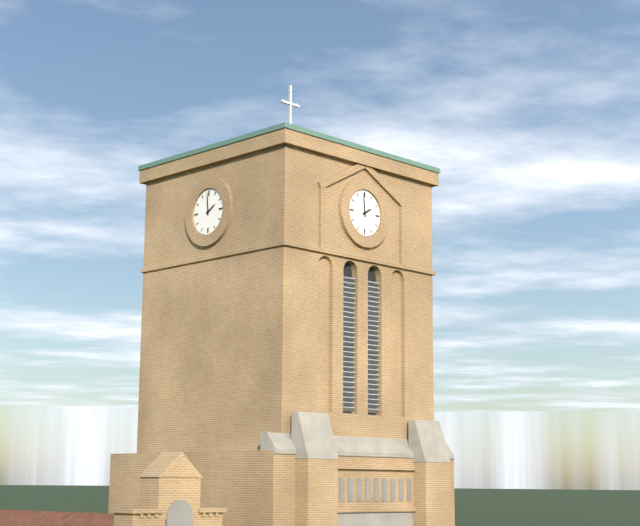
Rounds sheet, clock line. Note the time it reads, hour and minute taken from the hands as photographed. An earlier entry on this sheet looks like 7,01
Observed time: 1,59
